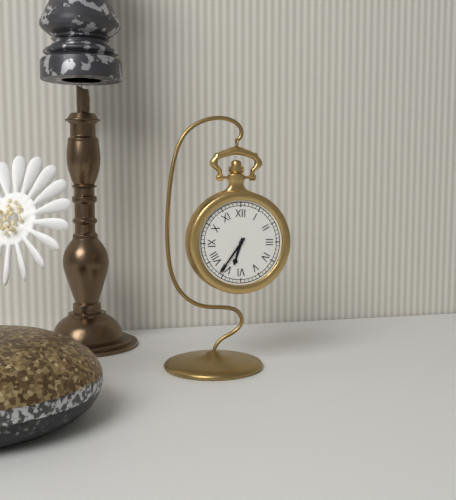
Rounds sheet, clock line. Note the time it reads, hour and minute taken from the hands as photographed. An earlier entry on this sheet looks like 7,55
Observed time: 6,36
